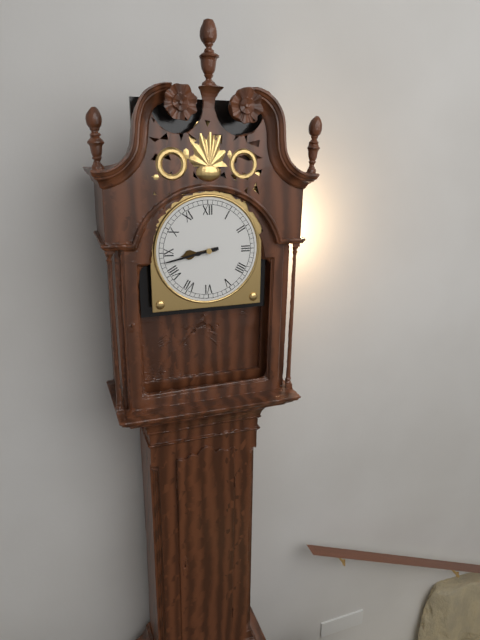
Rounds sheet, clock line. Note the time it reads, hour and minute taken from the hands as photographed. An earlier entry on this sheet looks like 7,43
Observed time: 8,43
